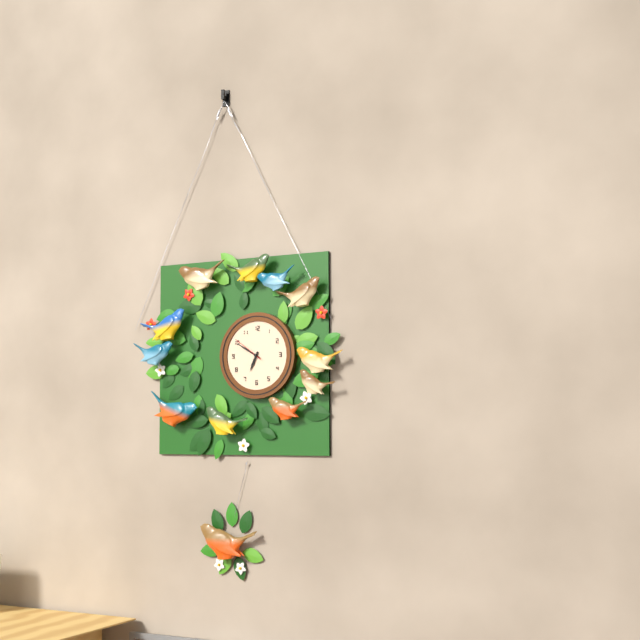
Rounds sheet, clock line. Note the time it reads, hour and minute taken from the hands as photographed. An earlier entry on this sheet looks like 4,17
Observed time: 6,50
